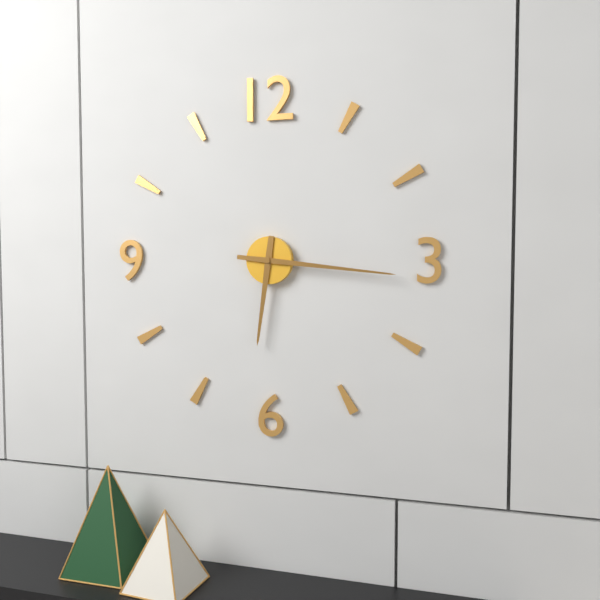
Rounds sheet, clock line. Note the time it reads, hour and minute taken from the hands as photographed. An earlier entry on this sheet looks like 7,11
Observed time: 6,16
